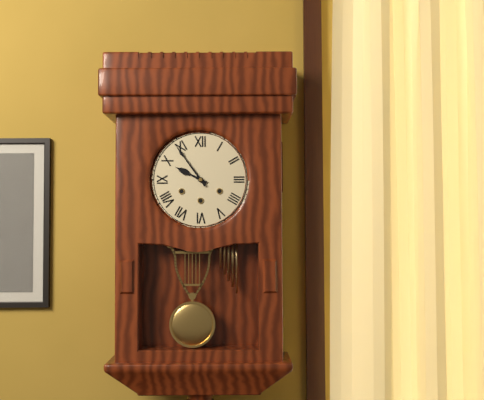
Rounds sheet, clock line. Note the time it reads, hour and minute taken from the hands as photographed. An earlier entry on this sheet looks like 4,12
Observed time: 9,54
